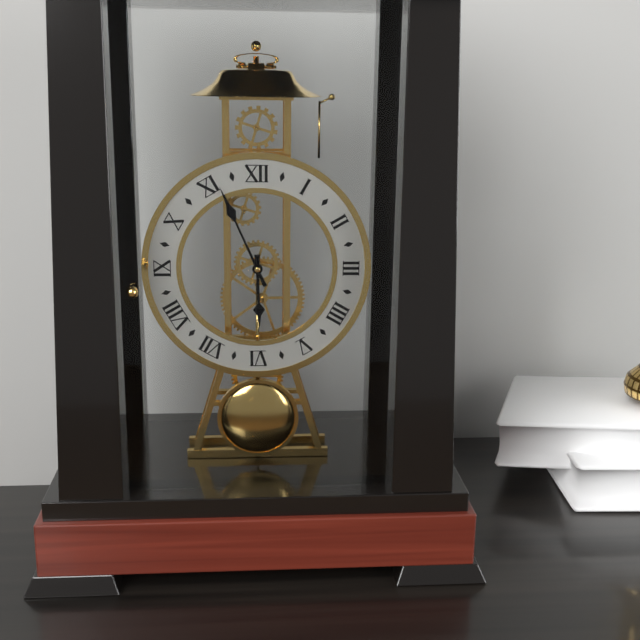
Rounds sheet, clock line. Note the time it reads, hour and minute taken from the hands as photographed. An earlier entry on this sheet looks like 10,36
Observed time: 5,56
